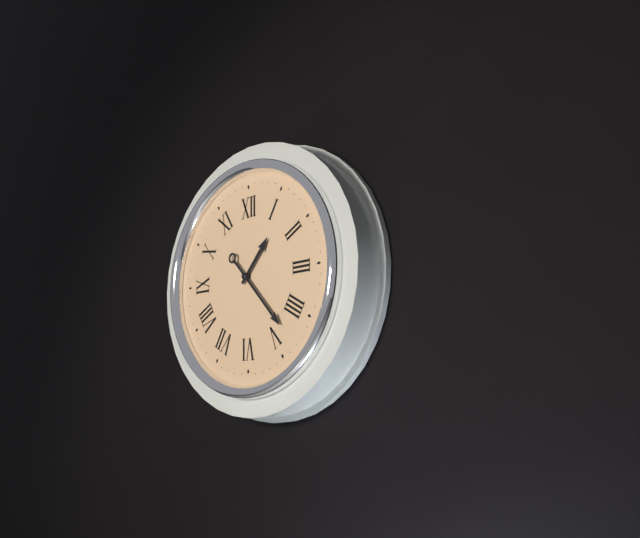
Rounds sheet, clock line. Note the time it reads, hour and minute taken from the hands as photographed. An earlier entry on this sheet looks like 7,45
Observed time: 1,23
